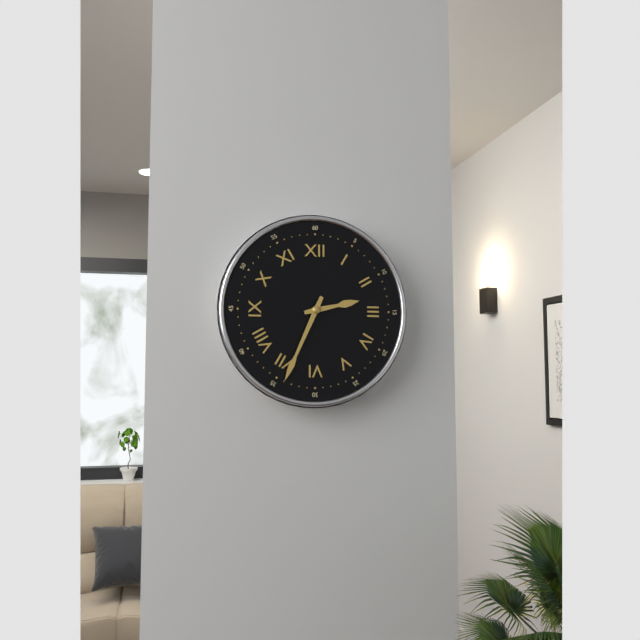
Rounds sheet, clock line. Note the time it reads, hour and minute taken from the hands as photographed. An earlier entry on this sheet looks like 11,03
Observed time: 2,34
